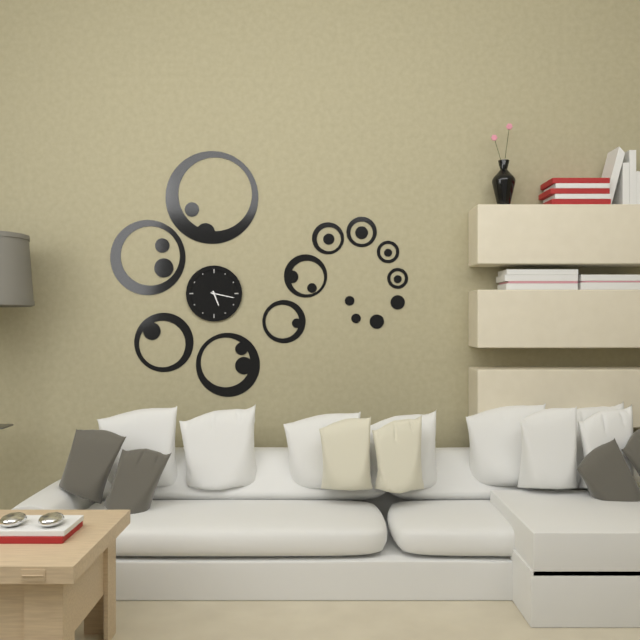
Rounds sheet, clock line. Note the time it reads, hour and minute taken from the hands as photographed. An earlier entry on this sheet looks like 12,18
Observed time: 5,17
